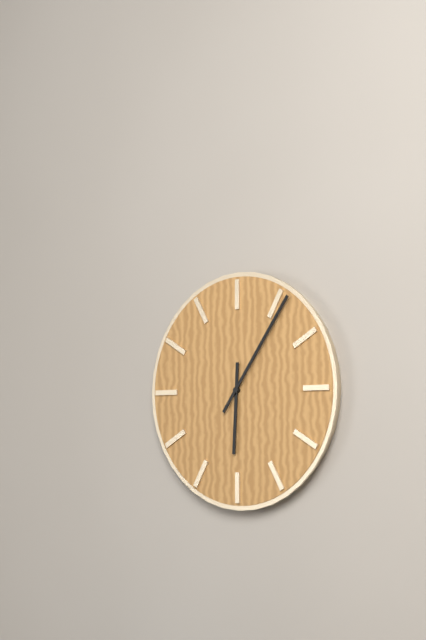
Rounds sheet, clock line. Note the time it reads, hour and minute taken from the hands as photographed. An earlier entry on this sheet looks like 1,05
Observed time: 6,06
